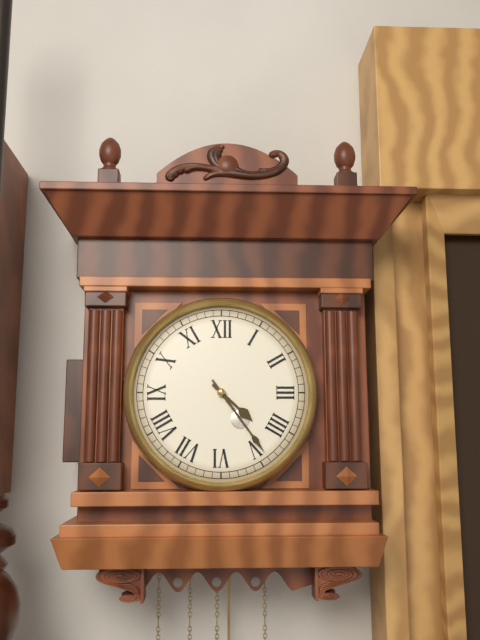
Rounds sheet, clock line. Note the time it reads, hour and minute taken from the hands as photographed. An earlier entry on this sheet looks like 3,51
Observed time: 4,24
